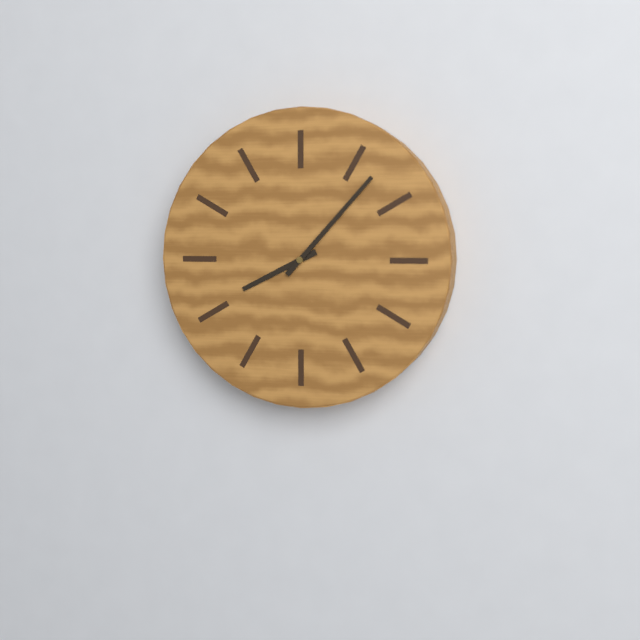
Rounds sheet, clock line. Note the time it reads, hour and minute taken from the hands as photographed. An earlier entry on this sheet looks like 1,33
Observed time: 8,07
